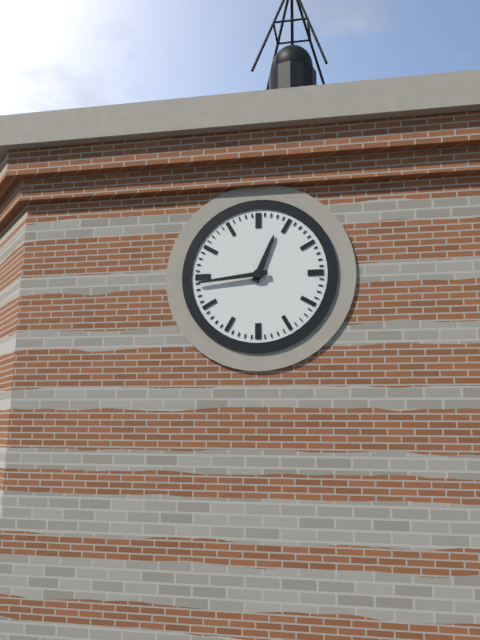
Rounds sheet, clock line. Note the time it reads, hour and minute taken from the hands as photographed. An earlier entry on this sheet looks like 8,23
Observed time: 12,44
